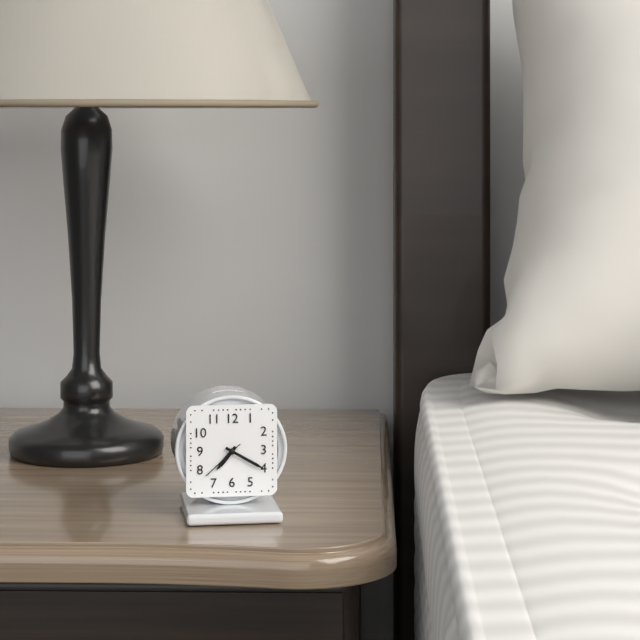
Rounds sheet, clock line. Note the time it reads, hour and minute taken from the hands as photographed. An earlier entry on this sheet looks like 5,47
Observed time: 7,20
